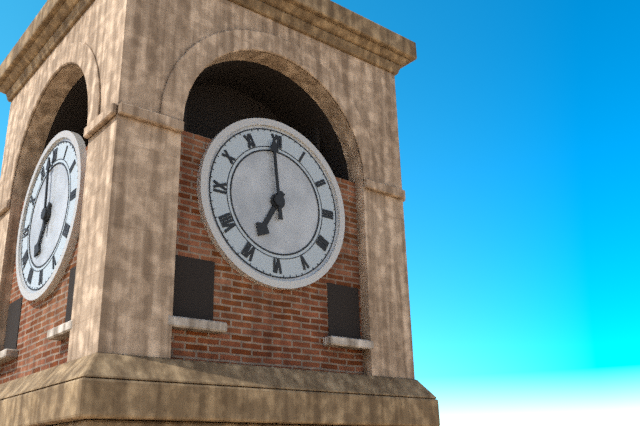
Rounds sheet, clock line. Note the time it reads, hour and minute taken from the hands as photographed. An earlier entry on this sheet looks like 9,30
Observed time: 6,59
